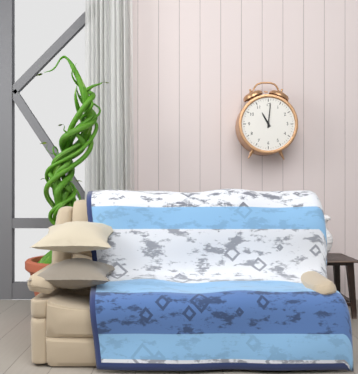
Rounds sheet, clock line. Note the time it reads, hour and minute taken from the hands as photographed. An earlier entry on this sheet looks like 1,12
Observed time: 11,01
